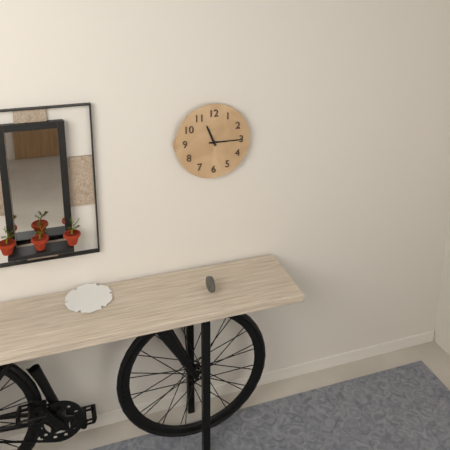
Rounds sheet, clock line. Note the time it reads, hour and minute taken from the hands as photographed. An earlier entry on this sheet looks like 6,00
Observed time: 11,15
